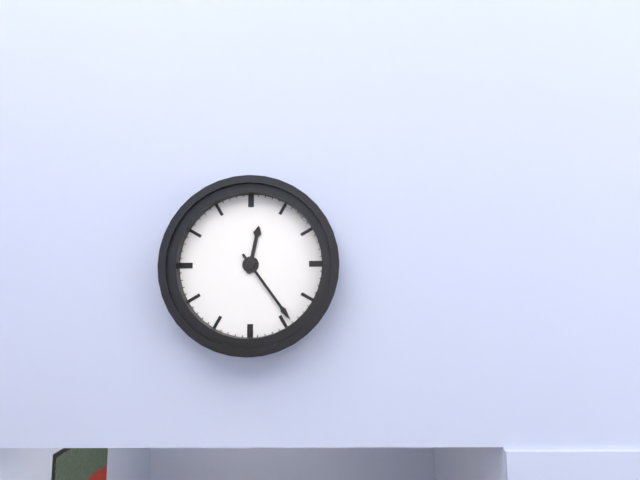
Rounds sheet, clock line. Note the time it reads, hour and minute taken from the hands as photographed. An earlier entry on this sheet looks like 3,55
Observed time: 12,24
